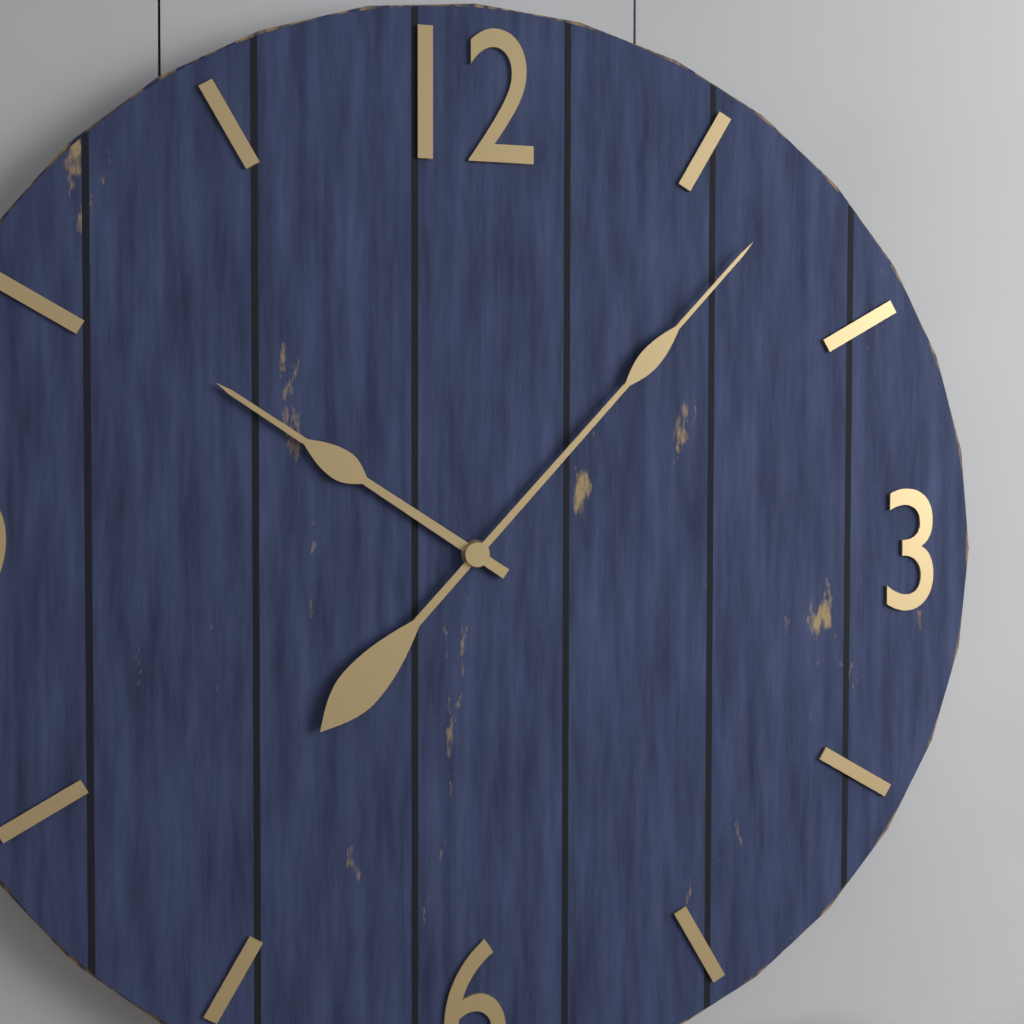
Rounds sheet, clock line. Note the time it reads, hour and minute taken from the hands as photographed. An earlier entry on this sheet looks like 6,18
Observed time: 10,07
